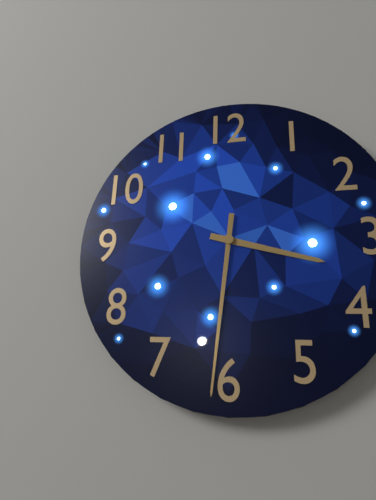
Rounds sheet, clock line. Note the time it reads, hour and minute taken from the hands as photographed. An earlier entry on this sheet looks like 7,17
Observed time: 3,31
